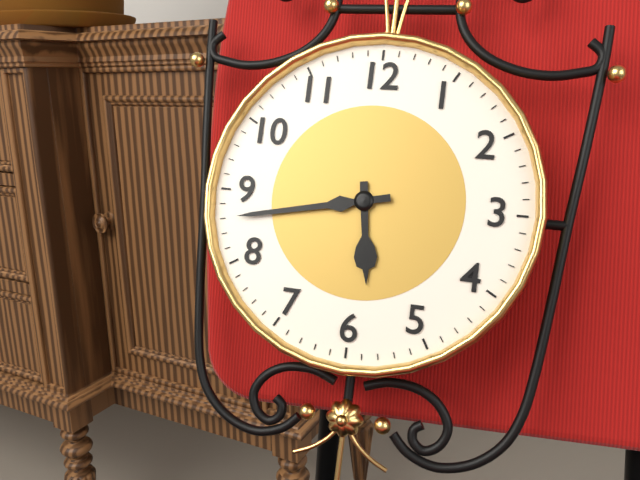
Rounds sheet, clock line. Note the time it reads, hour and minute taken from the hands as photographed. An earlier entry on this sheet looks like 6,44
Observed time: 5,43
